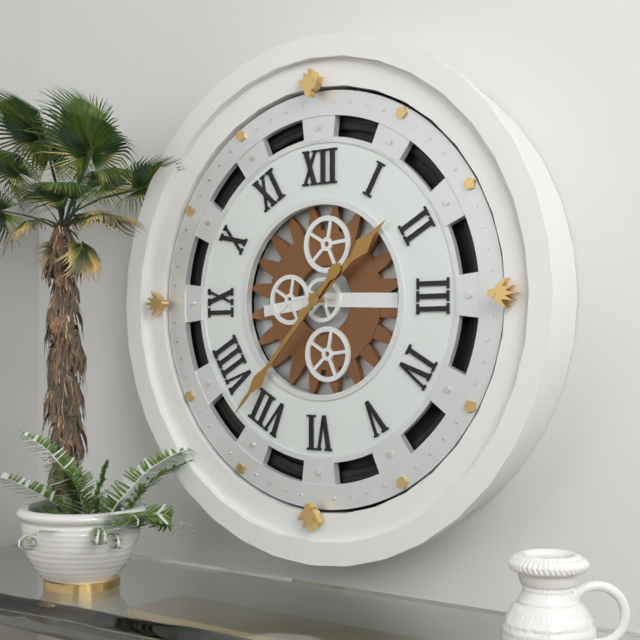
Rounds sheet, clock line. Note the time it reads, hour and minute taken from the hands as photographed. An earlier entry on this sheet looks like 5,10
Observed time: 1,37
